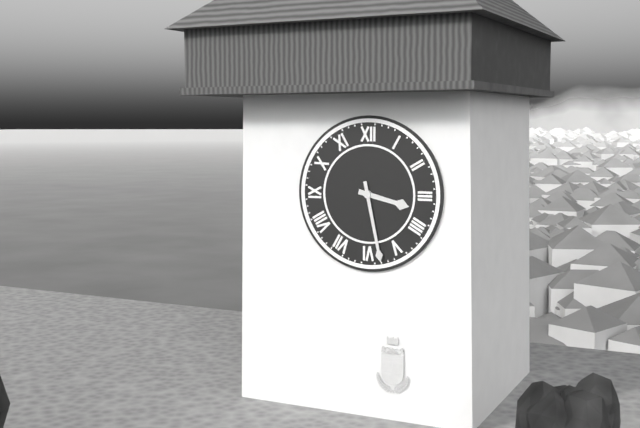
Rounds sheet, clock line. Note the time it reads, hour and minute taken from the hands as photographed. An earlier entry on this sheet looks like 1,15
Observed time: 3,28
